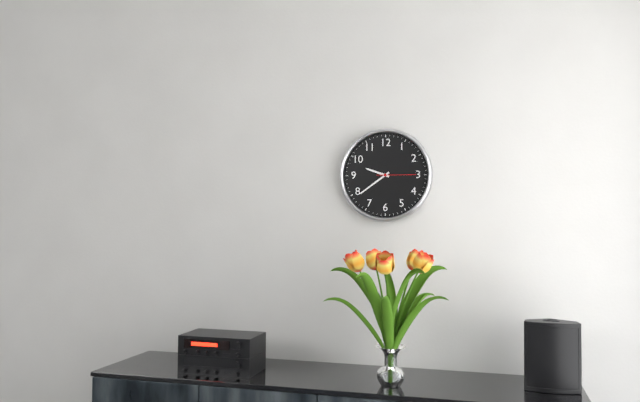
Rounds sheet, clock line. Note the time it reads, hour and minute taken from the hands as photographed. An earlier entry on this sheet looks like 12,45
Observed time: 9,39
